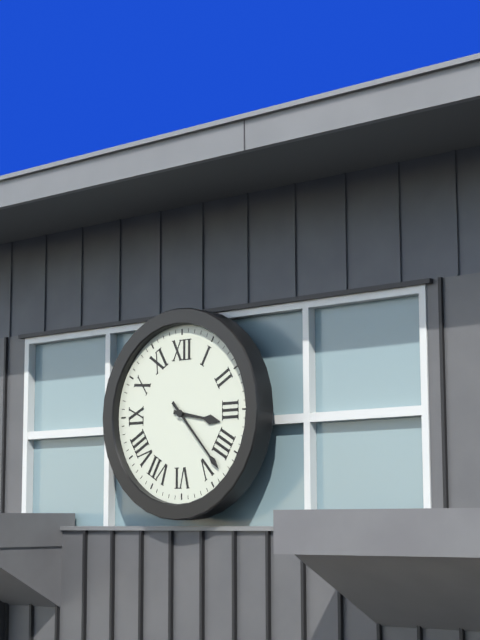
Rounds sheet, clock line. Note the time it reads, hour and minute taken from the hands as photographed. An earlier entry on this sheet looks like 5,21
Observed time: 3,23
